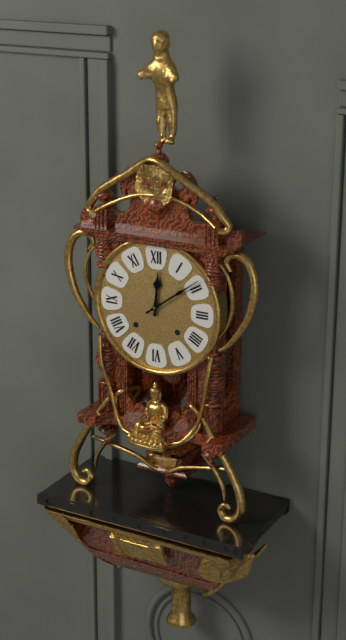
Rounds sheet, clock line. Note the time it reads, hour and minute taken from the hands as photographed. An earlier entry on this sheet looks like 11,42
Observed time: 12,09
